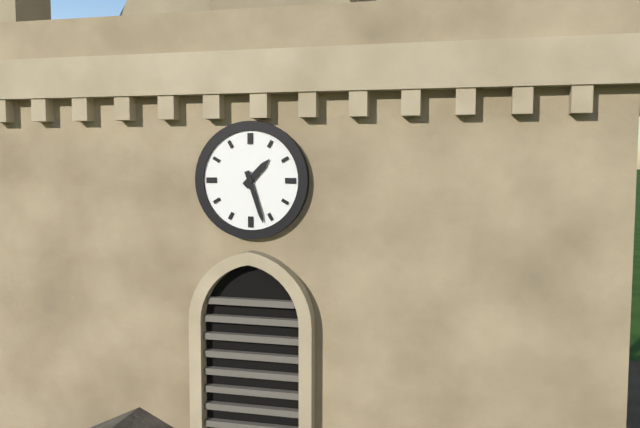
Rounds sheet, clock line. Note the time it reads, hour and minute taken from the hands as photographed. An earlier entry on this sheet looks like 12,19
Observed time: 1,27
